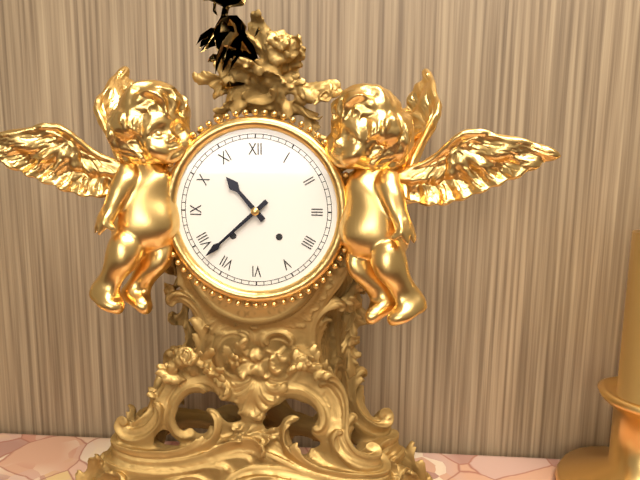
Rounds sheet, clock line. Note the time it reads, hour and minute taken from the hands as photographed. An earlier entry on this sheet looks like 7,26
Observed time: 10,38
